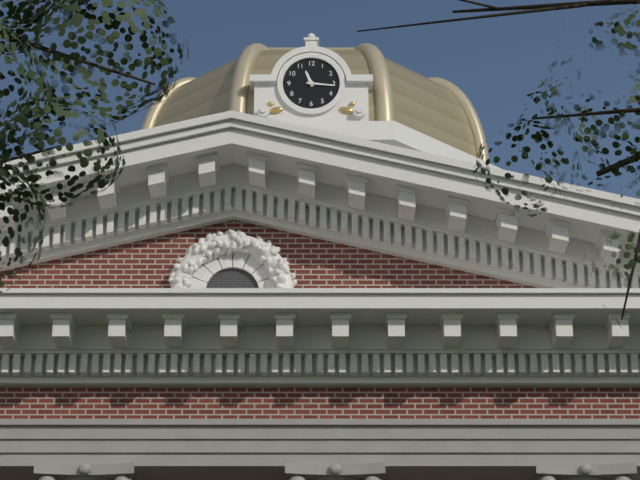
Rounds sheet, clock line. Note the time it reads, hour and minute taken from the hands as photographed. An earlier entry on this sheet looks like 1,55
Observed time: 11,16
